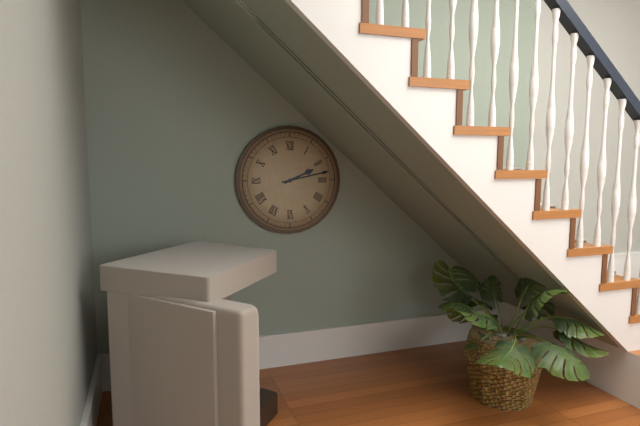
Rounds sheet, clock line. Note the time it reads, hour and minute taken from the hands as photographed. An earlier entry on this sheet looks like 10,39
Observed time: 2,13
